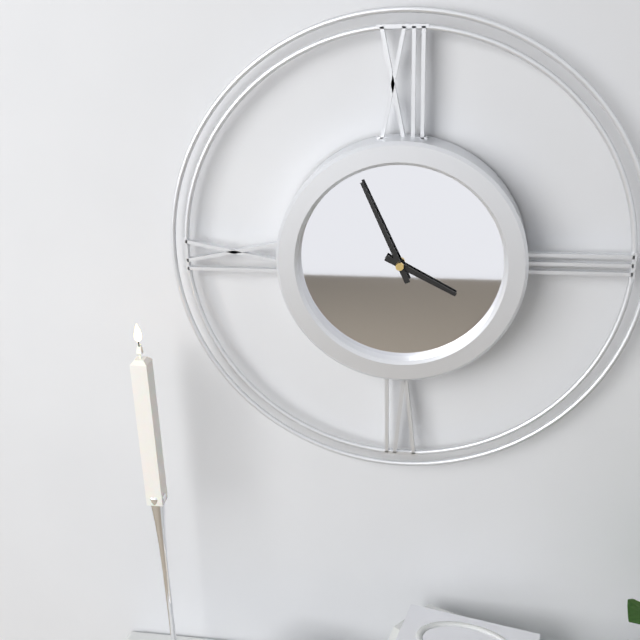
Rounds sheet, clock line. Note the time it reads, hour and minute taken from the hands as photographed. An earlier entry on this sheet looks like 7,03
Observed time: 3,56
